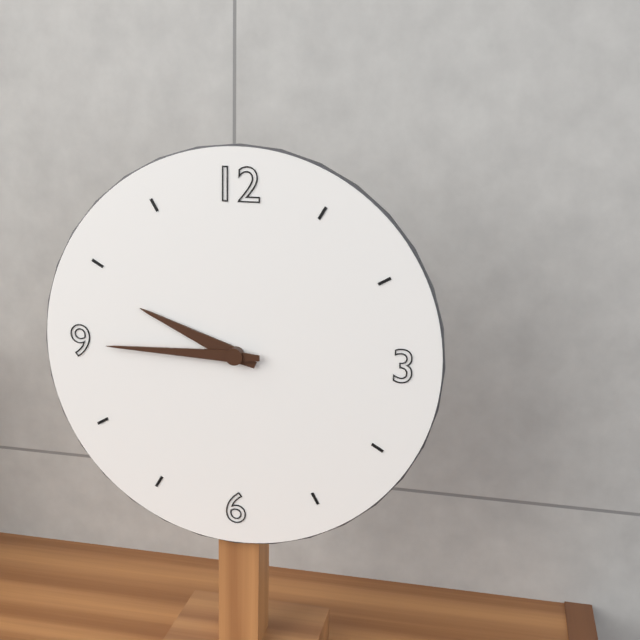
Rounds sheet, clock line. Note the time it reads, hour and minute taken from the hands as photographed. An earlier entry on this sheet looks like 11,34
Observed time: 9,45
